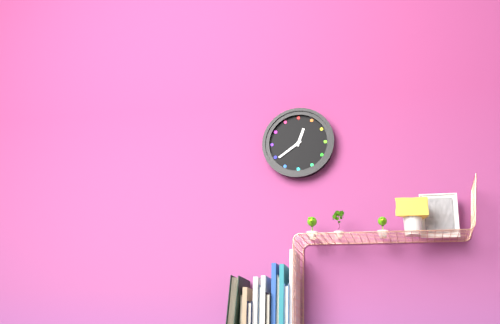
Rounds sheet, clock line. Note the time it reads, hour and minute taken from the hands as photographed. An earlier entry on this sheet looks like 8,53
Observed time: 12,39
